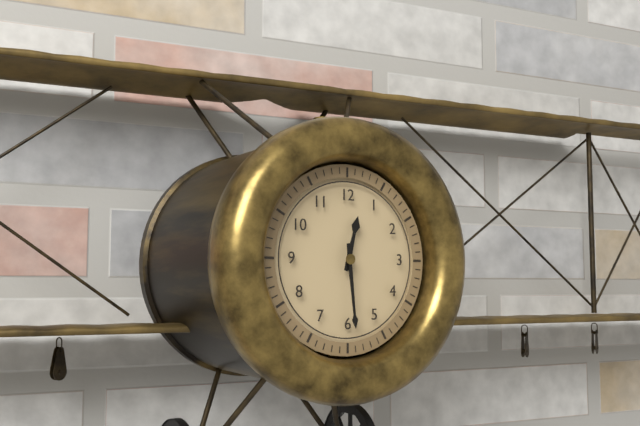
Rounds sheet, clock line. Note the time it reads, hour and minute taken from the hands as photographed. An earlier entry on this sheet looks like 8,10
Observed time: 12,29
